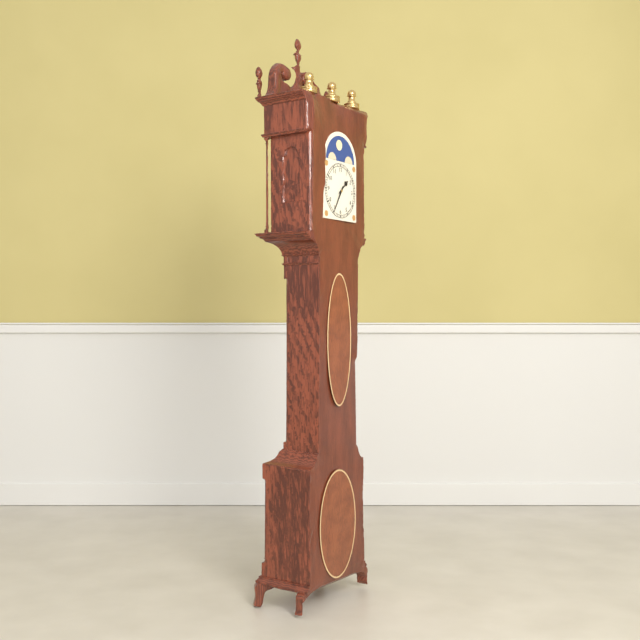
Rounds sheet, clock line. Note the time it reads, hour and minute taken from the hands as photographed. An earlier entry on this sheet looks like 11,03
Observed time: 1,35
